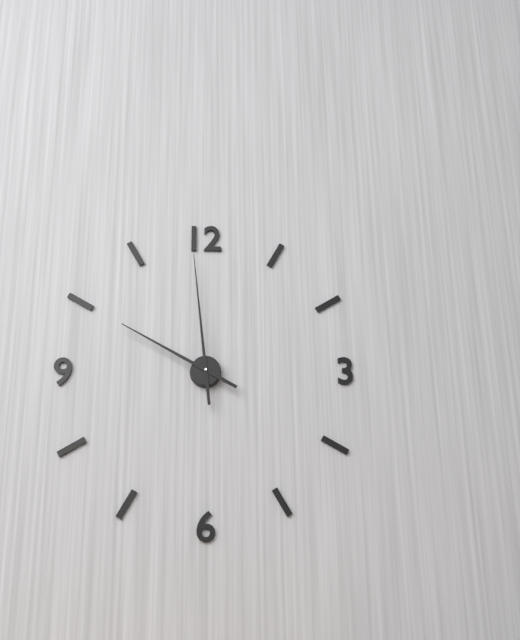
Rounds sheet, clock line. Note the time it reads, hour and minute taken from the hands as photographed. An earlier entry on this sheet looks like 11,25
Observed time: 9,59
